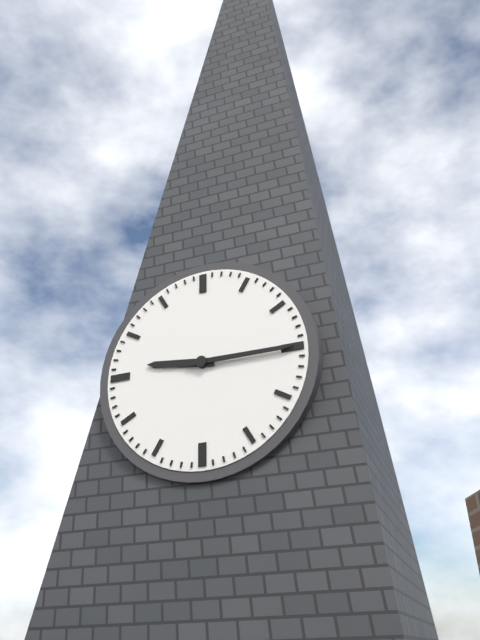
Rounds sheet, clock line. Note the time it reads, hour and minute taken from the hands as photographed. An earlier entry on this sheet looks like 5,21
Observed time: 9,15
